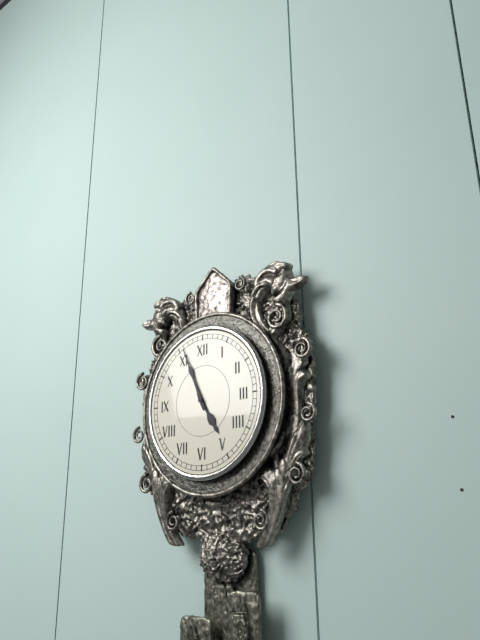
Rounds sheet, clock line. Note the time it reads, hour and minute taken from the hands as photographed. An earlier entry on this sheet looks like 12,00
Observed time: 4,56
